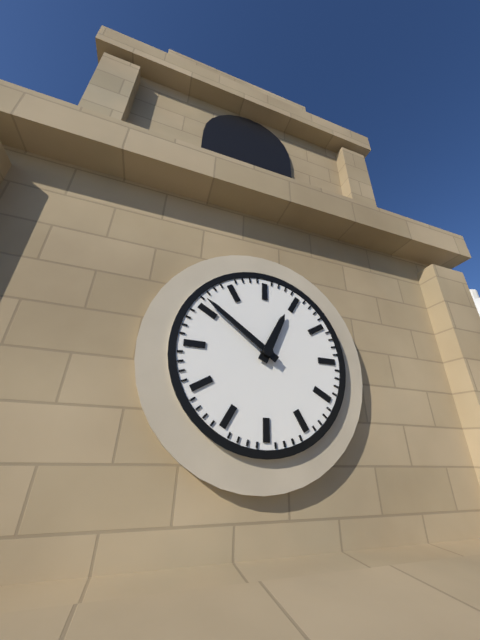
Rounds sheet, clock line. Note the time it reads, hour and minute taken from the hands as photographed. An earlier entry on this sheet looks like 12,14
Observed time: 12,51
